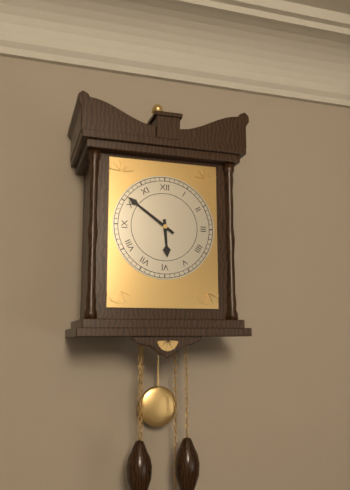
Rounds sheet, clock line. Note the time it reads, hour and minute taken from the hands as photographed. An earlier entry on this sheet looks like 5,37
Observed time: 5,51
